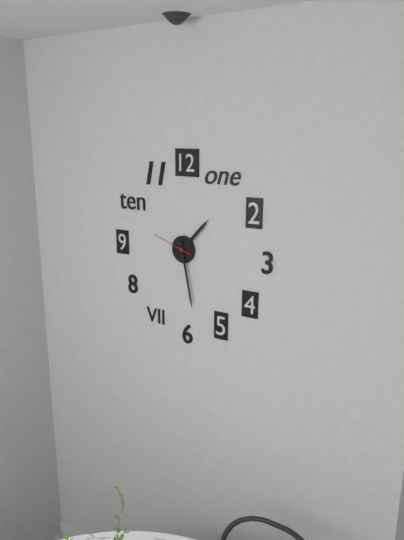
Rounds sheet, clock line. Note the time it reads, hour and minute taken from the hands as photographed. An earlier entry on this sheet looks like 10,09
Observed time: 1,28
